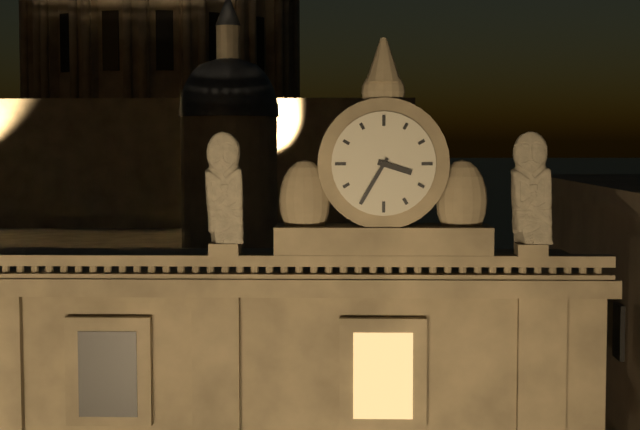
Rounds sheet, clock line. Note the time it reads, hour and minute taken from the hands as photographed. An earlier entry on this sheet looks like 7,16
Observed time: 3,35
